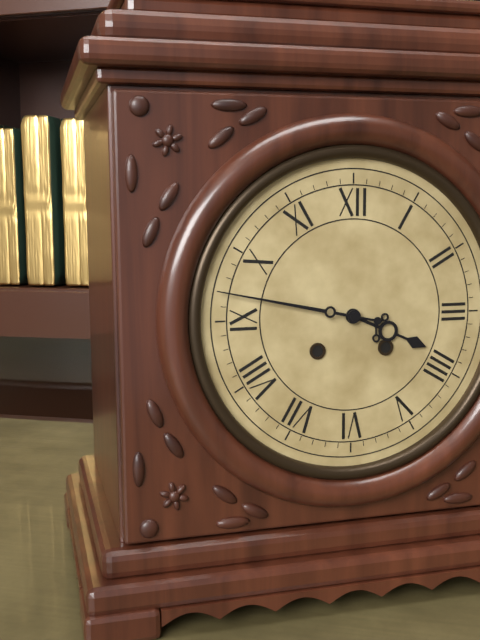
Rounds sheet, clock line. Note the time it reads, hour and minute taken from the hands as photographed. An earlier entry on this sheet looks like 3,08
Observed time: 3,47
